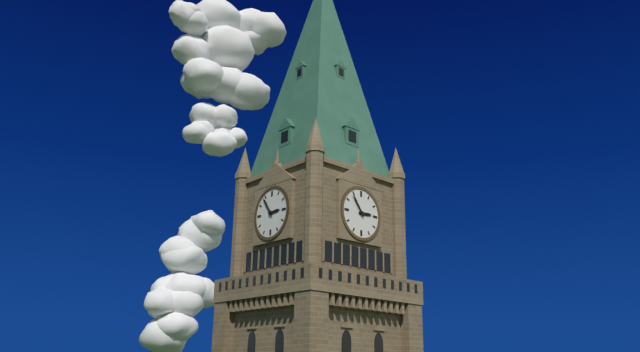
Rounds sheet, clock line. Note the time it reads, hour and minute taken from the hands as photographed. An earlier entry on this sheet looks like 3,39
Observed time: 2,54
